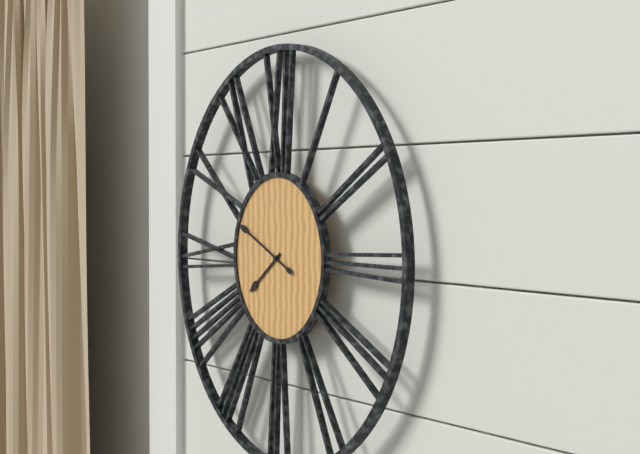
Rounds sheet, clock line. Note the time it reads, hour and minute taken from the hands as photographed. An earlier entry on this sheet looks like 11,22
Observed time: 7,49
